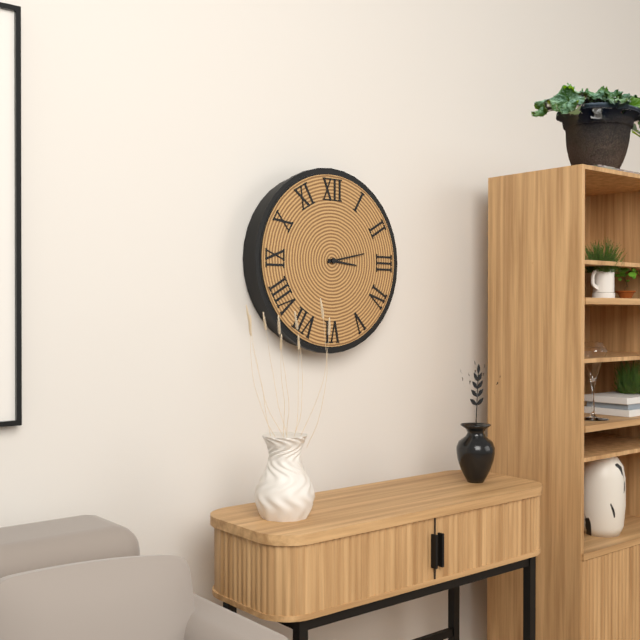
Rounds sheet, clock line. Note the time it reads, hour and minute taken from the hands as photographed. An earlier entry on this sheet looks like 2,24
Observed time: 3,13
